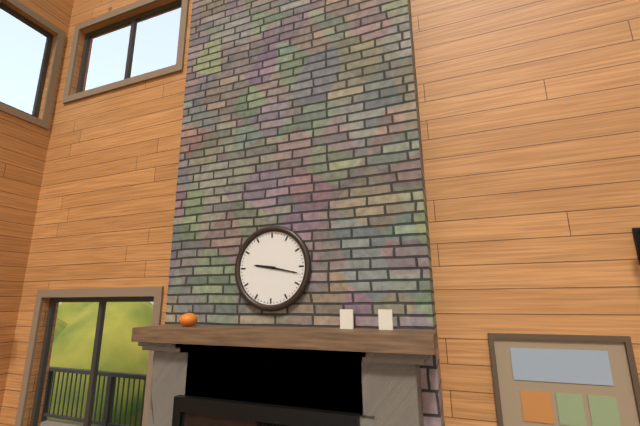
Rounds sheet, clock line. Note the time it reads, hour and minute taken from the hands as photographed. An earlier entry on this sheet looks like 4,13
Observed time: 9,17
